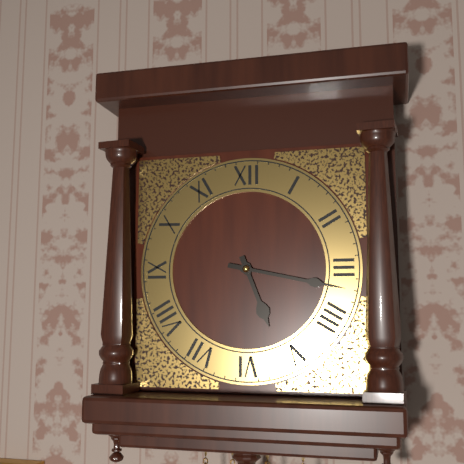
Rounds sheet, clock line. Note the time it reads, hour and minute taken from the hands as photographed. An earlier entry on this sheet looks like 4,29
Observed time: 5,17
